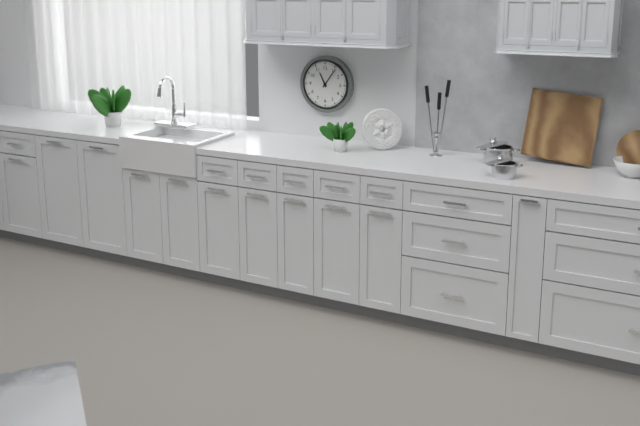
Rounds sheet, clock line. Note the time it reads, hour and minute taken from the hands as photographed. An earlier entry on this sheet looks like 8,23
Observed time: 11,06
